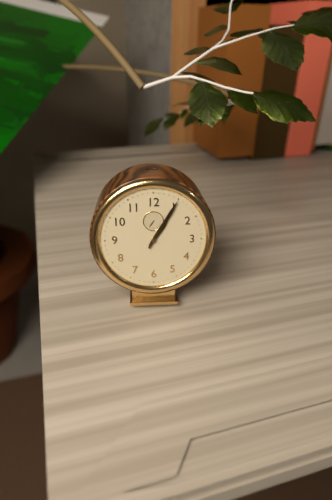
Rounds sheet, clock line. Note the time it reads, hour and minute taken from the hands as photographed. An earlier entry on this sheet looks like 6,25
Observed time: 1,05
